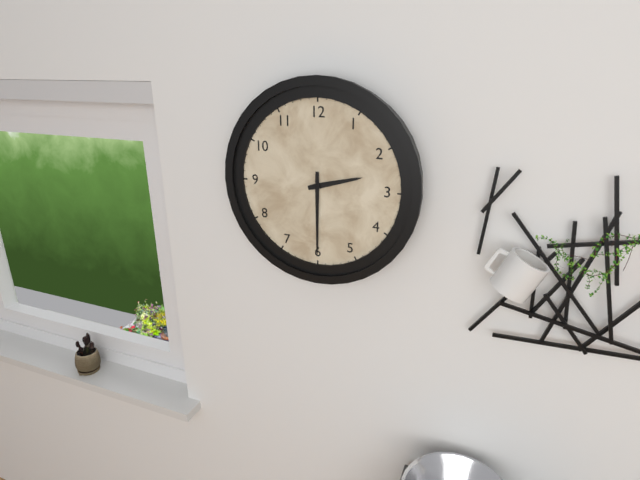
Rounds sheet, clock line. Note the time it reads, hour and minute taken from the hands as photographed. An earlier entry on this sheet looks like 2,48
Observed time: 2,30
